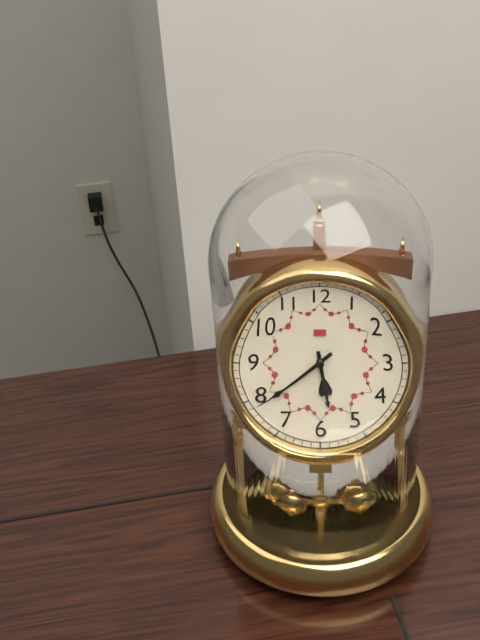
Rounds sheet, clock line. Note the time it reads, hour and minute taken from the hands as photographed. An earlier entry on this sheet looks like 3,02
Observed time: 5,39
